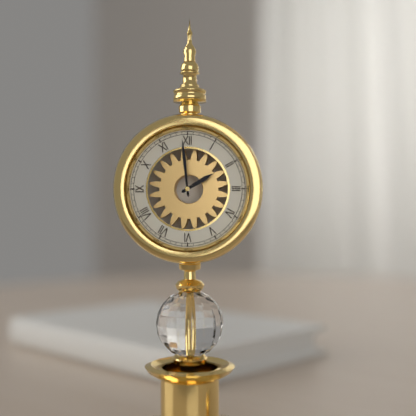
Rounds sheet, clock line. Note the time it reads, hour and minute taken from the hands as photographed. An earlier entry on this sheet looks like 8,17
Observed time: 1,59
